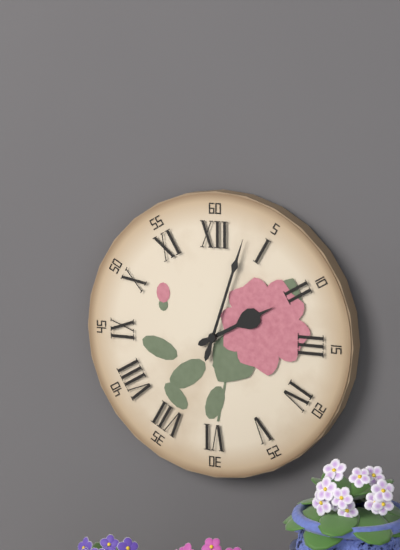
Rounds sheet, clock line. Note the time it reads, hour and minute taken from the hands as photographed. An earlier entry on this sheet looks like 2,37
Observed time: 2,03
